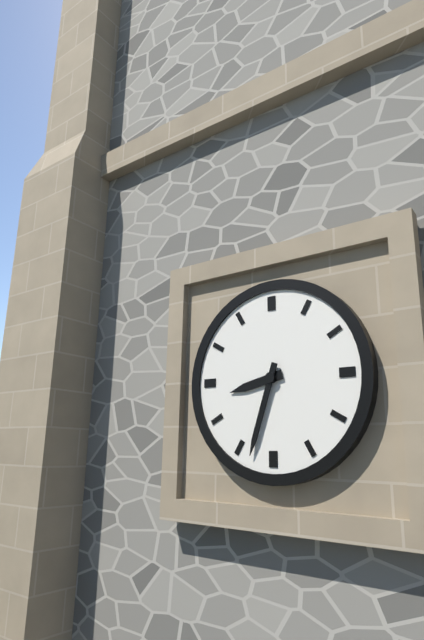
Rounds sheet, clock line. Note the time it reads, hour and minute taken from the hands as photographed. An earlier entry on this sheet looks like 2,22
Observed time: 8,33
